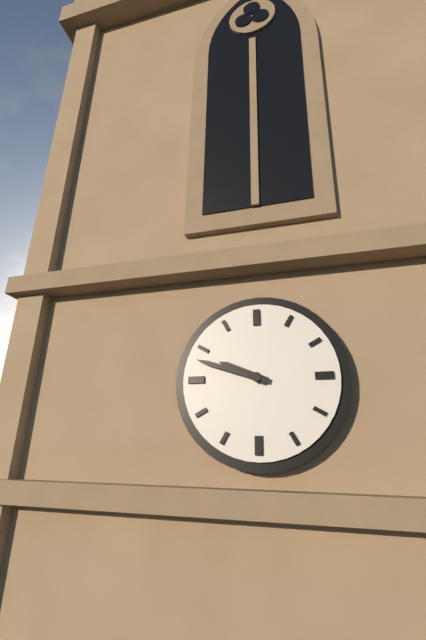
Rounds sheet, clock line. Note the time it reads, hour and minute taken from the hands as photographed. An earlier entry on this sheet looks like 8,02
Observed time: 9,48
